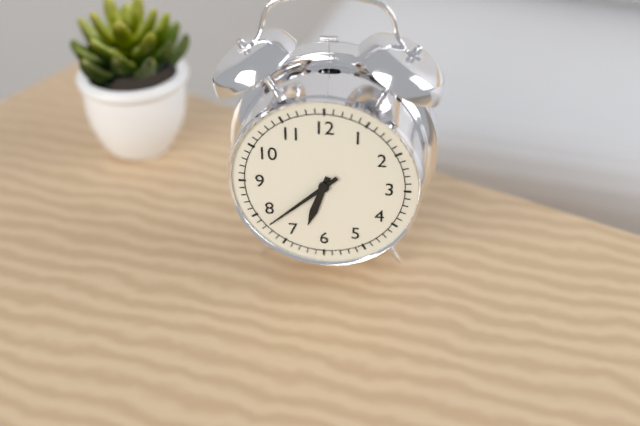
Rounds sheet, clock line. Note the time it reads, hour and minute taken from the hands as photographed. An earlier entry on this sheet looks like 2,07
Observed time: 6,38
